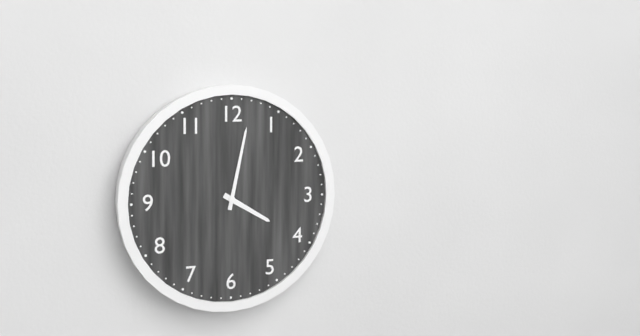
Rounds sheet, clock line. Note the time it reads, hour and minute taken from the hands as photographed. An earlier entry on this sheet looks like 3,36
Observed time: 4,02
